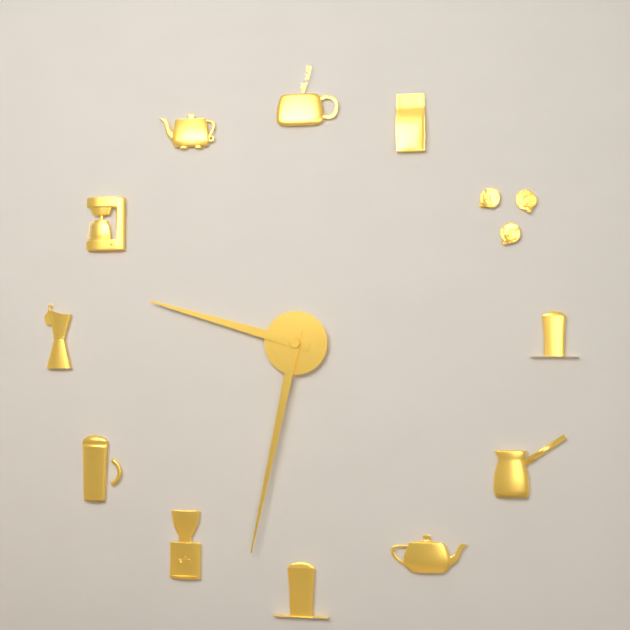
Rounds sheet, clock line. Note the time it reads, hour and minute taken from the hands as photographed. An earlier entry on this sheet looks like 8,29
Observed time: 9,32
